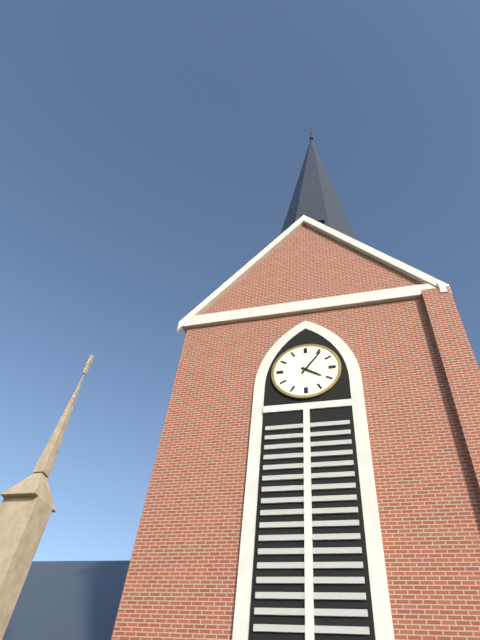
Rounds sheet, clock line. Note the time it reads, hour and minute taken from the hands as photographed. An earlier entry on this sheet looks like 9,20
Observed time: 4,06
